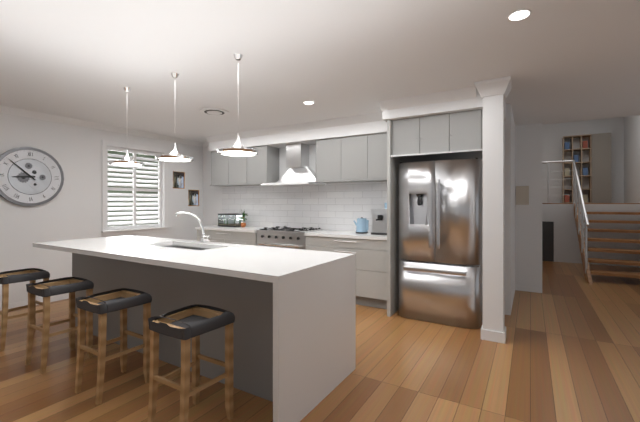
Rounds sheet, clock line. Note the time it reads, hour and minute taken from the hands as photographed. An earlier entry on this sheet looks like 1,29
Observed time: 8,52
